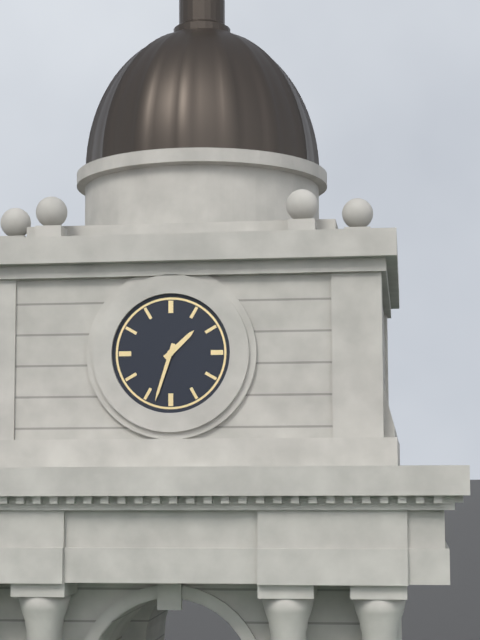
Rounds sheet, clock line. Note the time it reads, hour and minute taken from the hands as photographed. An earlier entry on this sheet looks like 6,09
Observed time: 1,33
